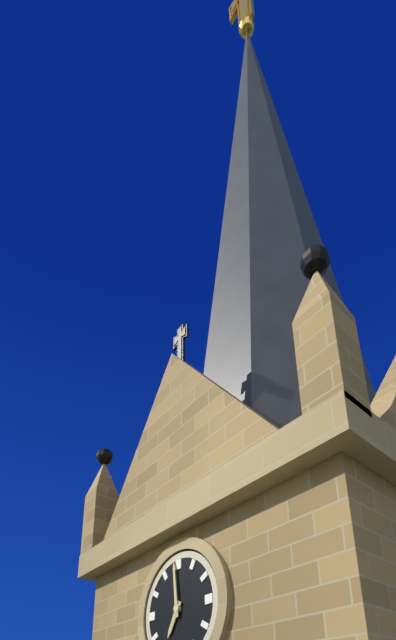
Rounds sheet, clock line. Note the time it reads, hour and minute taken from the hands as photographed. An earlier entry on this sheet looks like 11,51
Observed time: 6,59
